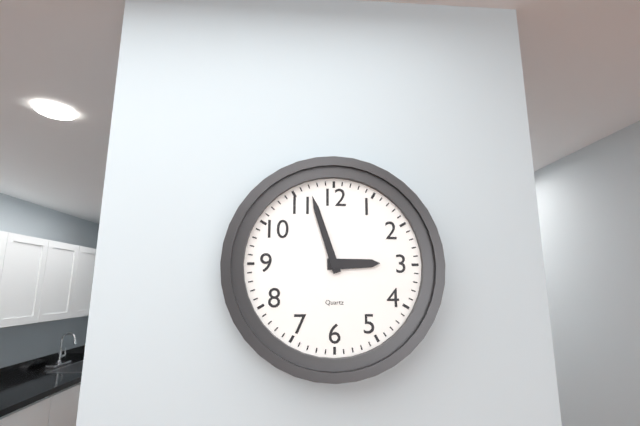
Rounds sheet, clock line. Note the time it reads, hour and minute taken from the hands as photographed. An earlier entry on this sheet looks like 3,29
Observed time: 2,57
